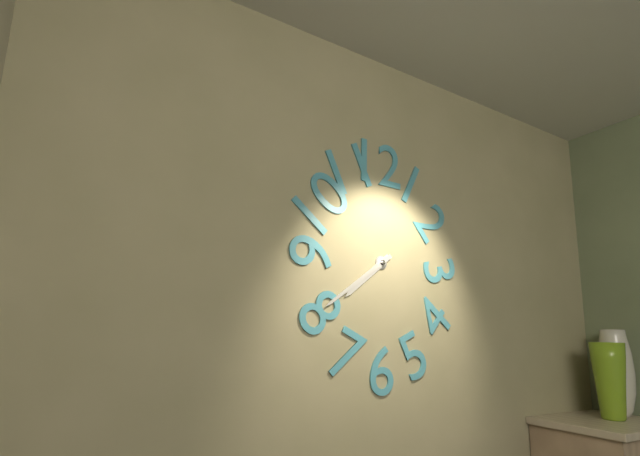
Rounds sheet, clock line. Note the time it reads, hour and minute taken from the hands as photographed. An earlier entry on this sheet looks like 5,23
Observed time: 7,39
